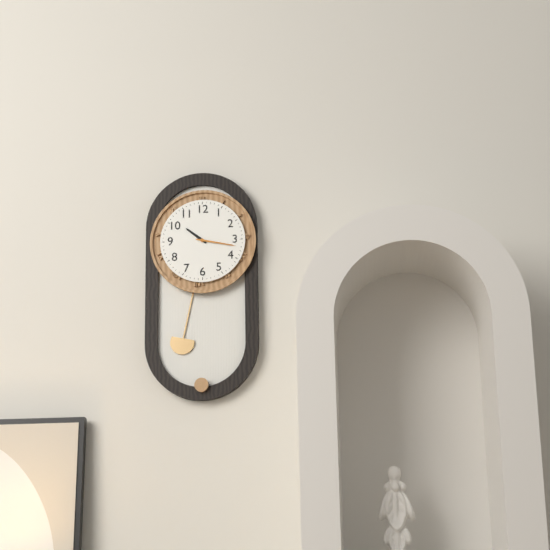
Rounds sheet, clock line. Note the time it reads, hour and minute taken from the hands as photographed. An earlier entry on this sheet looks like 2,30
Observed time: 10,17
